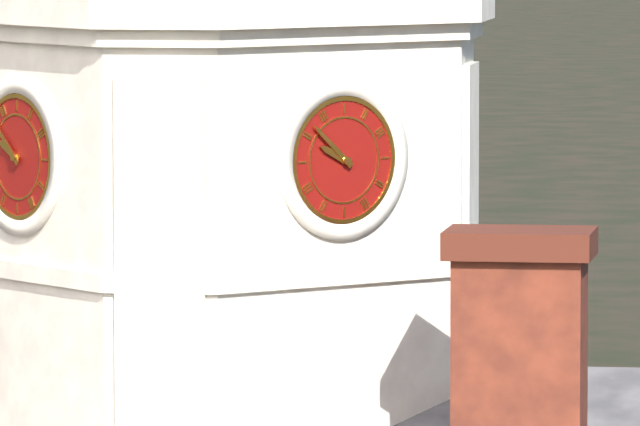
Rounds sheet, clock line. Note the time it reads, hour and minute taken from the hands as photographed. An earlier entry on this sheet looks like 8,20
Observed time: 9,52
